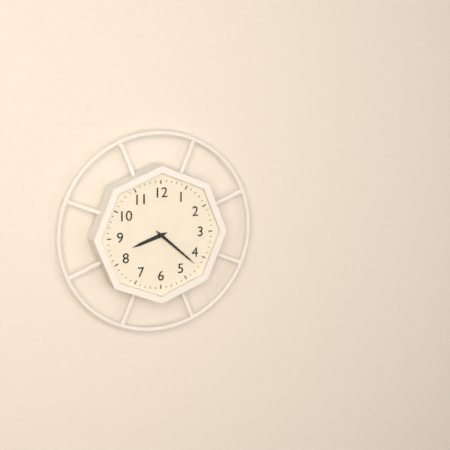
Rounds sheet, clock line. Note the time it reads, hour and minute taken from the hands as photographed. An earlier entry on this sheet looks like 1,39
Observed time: 8,22
